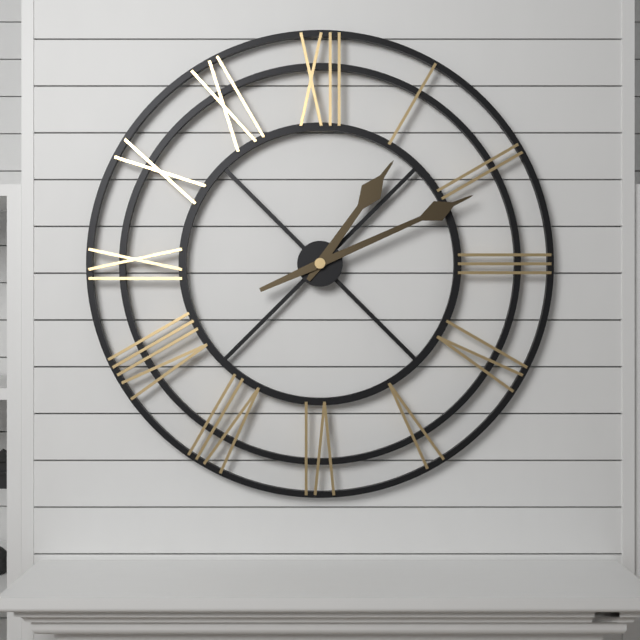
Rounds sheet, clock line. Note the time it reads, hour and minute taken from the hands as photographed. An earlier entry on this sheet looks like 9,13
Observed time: 1,11
